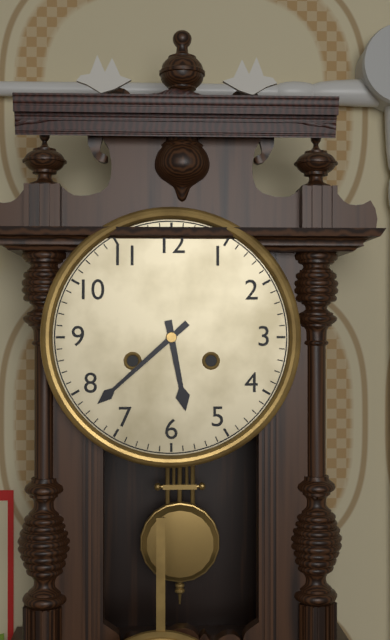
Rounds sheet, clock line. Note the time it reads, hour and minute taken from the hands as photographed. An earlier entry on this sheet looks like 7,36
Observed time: 5,38
